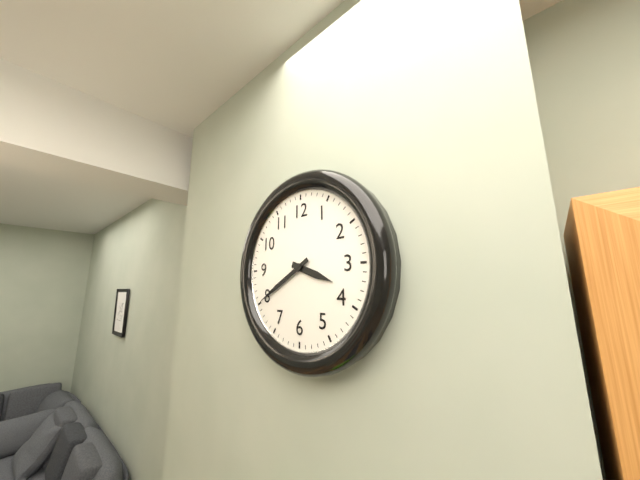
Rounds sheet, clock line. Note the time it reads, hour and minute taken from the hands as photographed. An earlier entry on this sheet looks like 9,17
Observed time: 3,40
